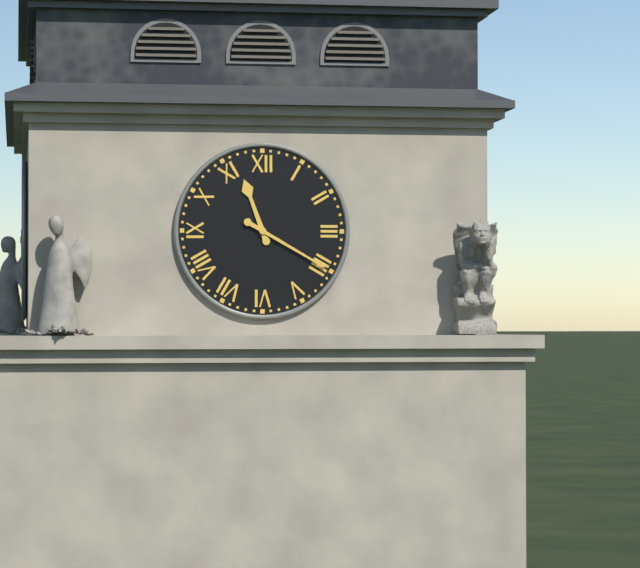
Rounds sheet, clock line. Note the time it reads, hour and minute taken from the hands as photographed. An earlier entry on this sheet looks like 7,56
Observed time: 11,20
